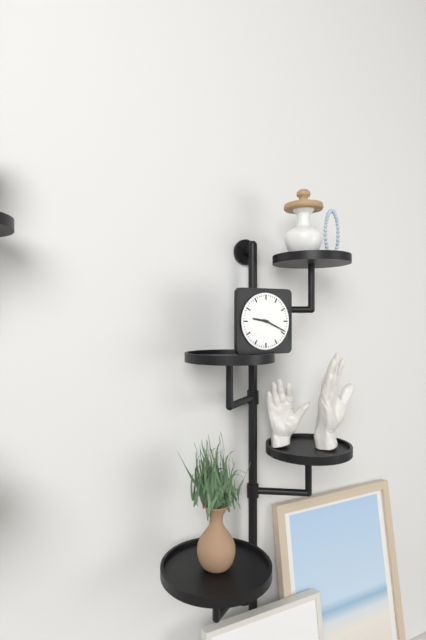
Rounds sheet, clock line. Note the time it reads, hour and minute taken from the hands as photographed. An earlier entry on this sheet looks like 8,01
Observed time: 9,19
